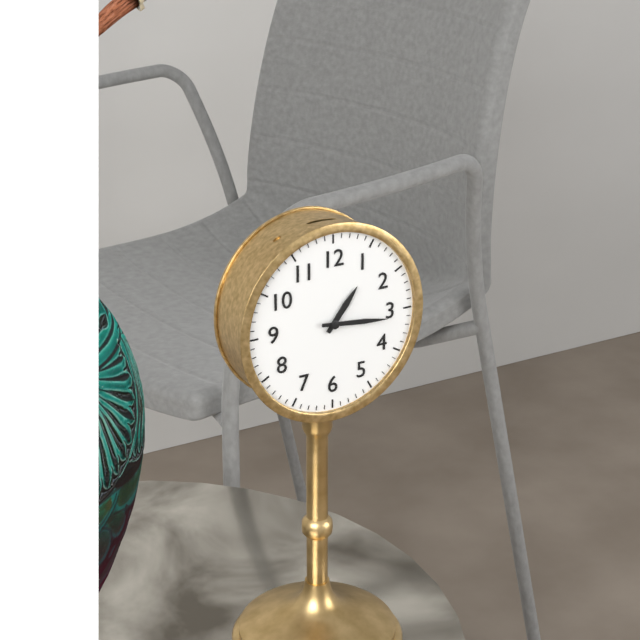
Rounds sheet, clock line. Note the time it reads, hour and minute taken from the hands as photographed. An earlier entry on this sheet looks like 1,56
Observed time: 1,16
